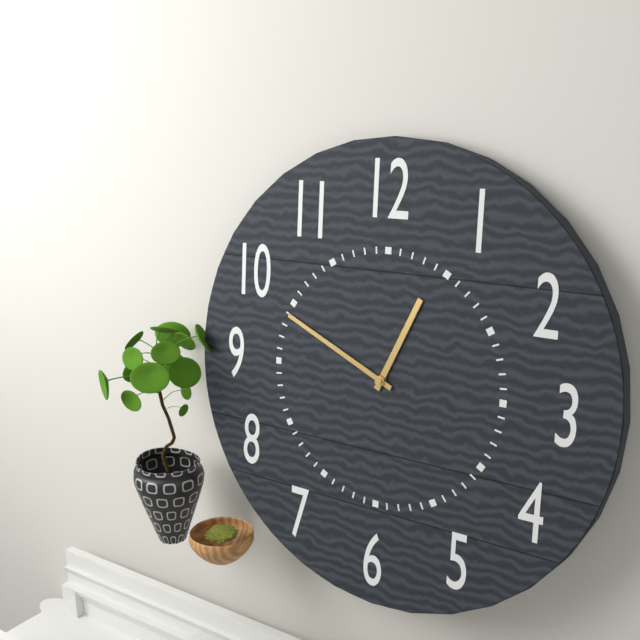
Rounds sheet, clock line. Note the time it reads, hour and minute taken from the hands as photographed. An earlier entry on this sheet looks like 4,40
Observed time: 12,49
